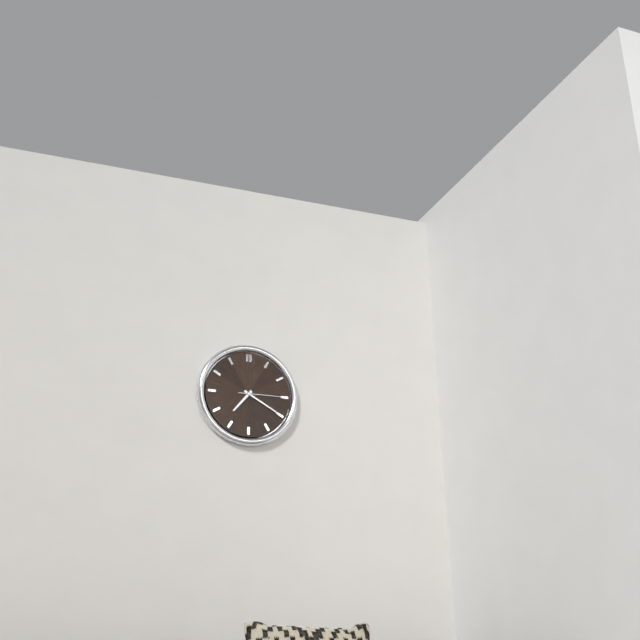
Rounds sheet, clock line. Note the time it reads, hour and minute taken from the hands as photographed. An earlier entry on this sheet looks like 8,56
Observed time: 7,20
